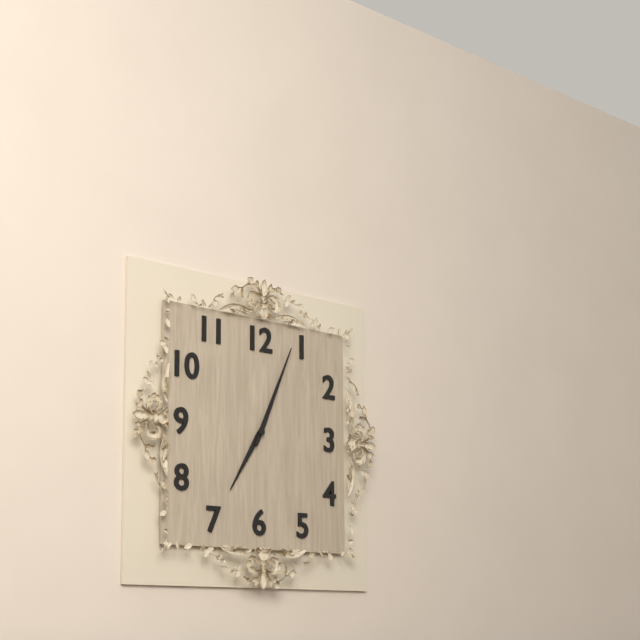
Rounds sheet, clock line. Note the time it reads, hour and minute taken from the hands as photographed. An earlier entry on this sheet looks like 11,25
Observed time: 7,04
